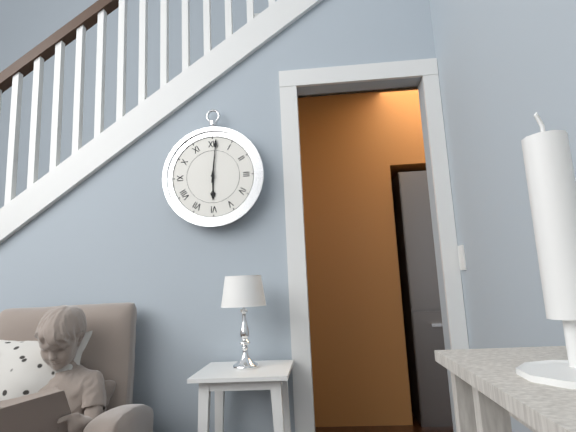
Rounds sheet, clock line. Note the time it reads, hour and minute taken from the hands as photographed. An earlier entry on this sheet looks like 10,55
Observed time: 6,01
